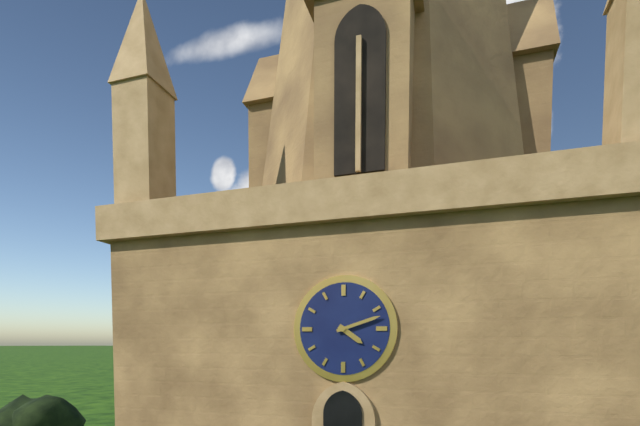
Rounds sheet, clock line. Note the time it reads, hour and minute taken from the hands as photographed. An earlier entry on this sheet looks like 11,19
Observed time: 4,12
